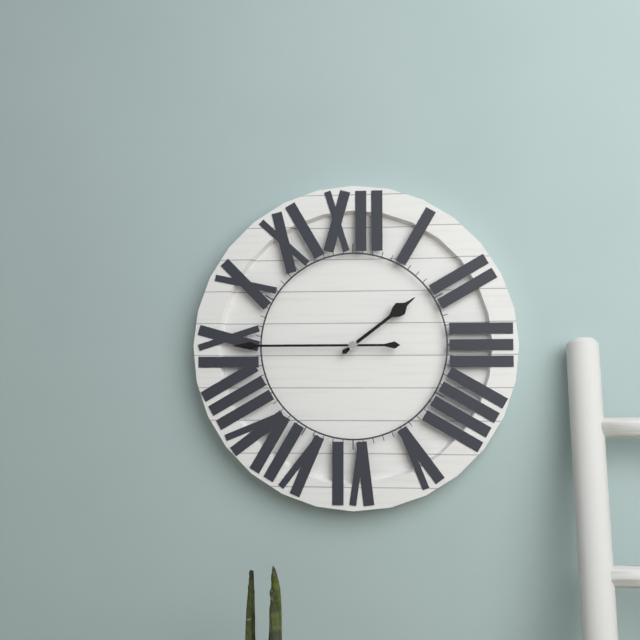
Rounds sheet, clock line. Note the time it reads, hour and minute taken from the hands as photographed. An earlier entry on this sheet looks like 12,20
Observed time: 1,45
